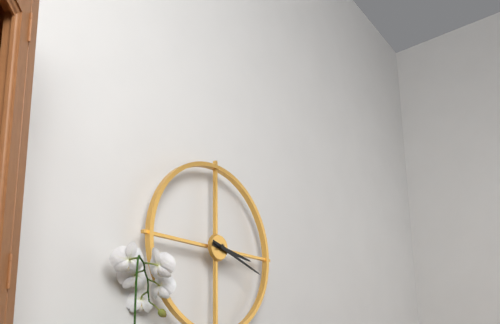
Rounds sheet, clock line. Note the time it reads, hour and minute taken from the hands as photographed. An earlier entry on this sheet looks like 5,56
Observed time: 3,18
